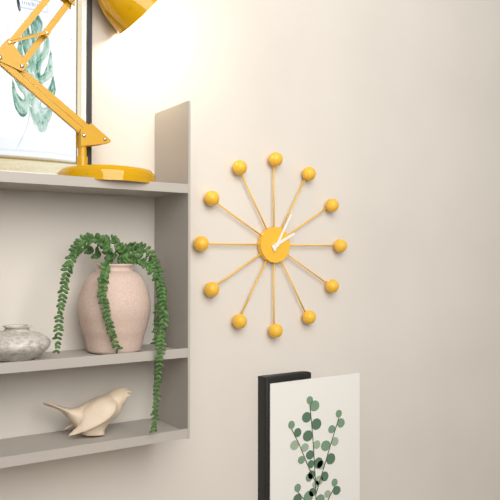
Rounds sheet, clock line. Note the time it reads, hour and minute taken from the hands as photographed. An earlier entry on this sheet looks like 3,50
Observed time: 2,05
